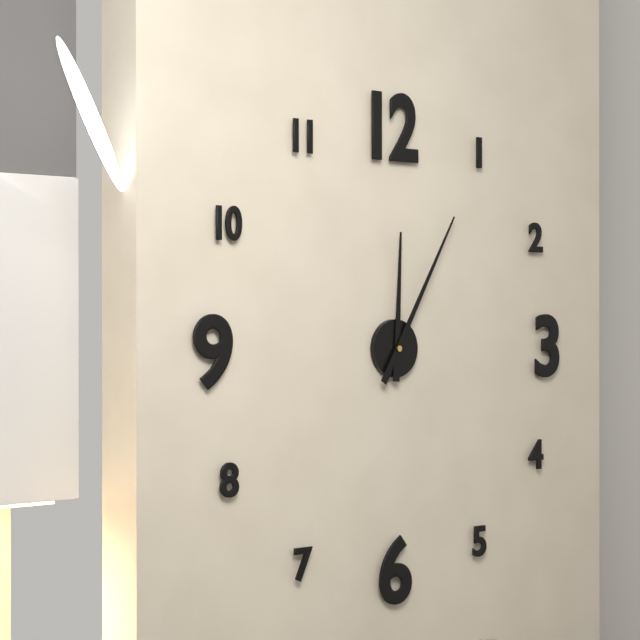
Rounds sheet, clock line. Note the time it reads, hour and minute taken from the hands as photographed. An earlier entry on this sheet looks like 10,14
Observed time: 12,05
